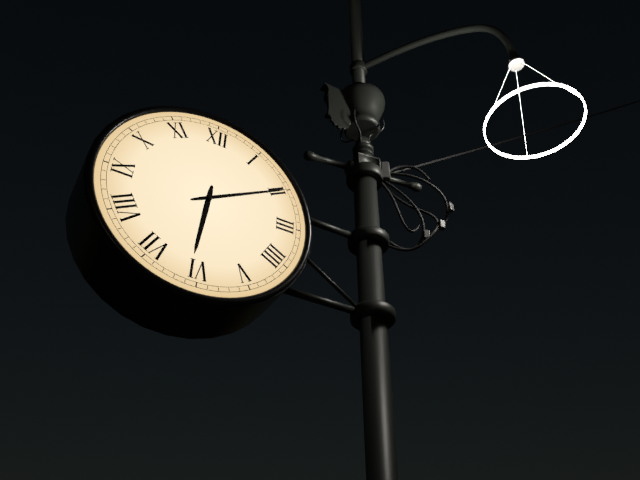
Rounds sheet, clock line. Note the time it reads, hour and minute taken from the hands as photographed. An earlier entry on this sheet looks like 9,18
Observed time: 6,10
